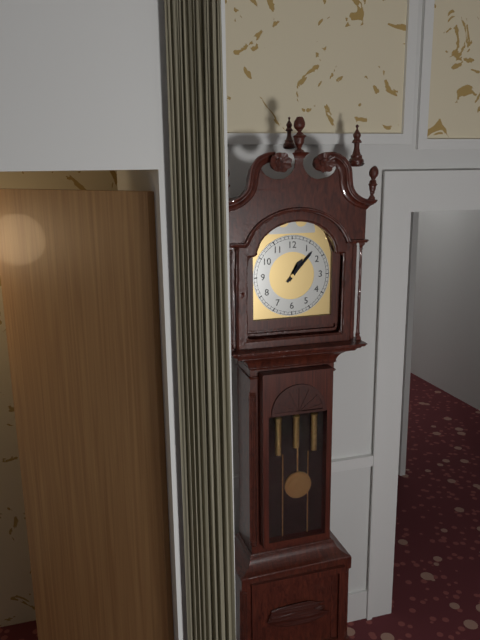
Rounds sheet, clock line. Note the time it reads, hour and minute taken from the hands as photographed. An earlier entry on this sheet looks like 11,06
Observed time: 1,07
